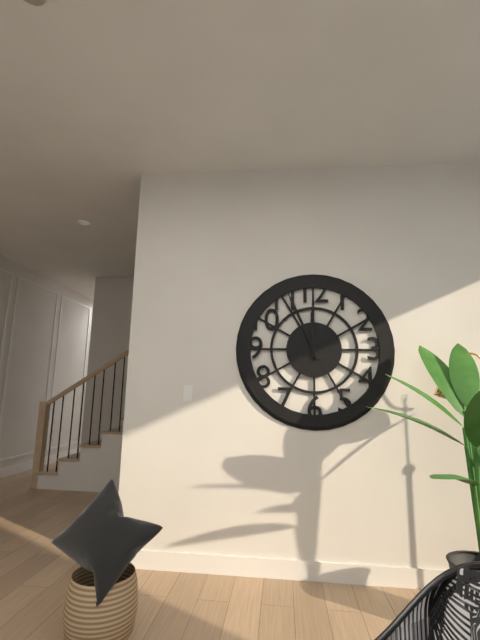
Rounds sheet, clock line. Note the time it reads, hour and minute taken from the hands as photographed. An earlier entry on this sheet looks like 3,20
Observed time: 11,56
